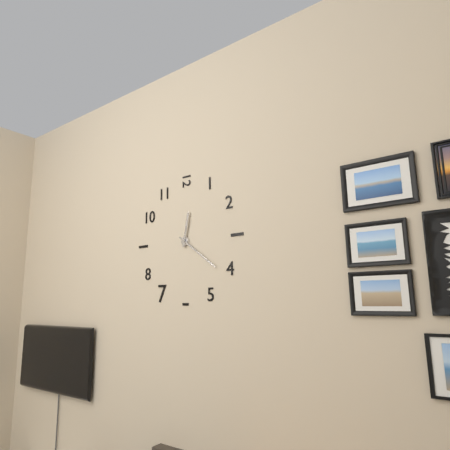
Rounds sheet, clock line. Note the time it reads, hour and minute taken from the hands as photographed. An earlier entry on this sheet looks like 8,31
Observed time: 12,21
